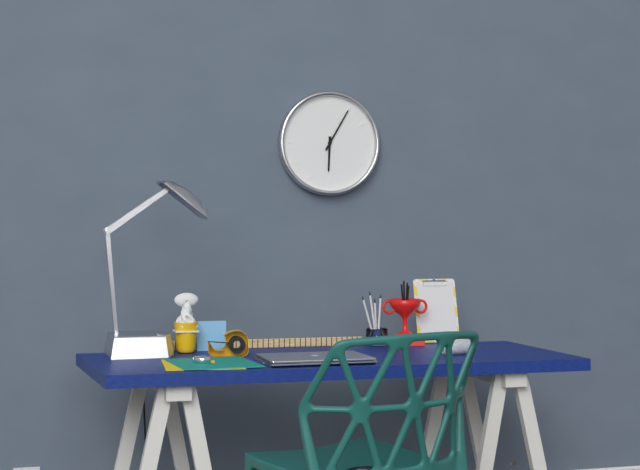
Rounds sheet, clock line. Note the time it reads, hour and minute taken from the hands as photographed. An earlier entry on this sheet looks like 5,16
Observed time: 6,05
